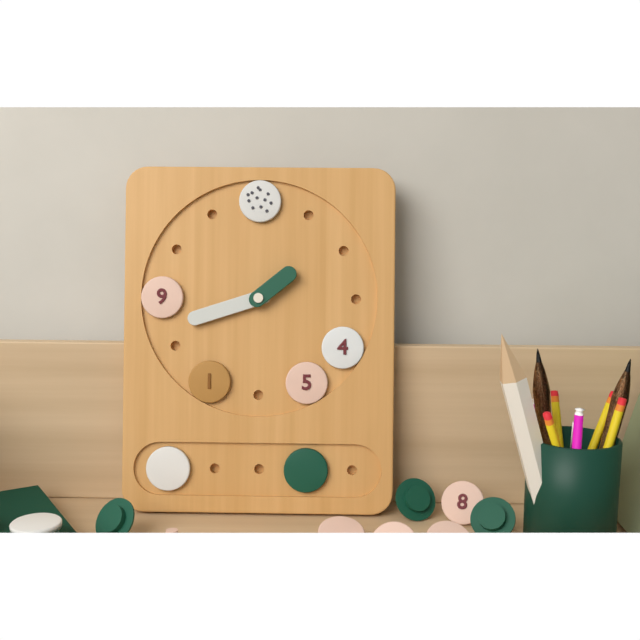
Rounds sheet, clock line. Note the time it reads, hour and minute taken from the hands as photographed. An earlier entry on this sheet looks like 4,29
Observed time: 1,42
